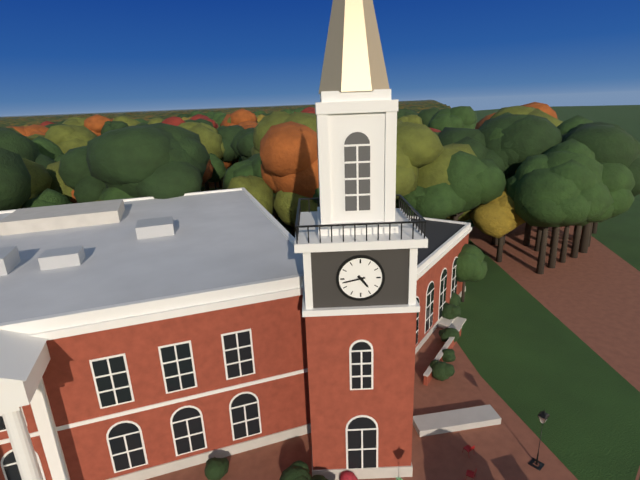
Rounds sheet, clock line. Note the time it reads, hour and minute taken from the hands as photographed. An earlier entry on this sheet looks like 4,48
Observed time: 4,43
